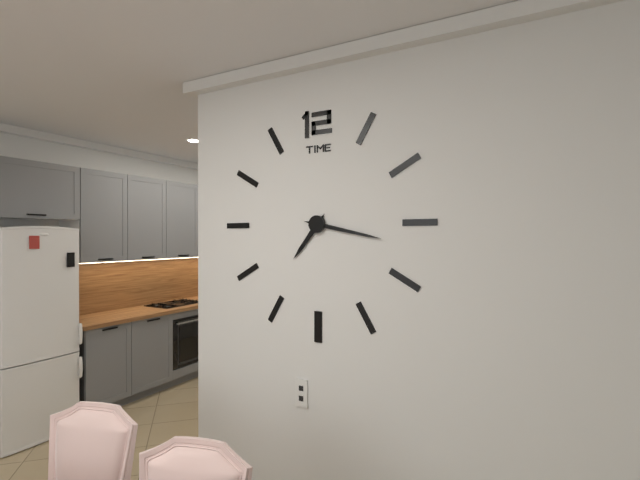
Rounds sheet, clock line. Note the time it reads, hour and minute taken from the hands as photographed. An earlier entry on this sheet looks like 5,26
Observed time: 7,17
